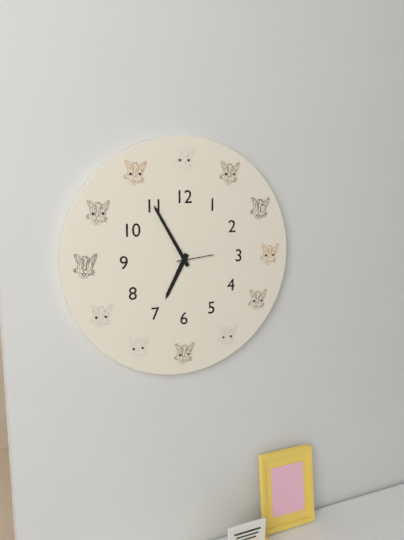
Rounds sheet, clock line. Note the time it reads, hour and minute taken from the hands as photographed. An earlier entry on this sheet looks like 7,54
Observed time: 6,55
